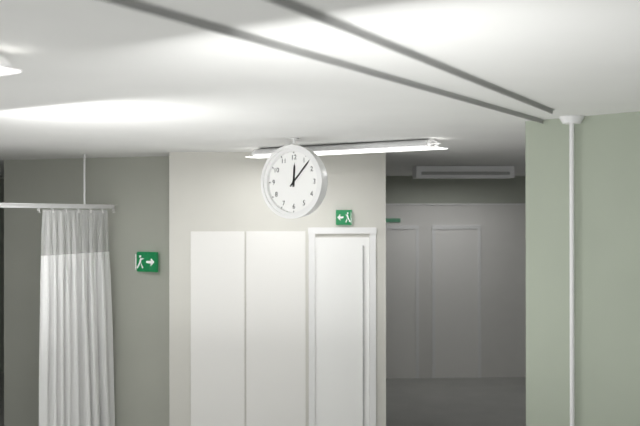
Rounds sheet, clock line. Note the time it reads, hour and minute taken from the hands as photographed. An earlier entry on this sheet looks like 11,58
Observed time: 12,07
